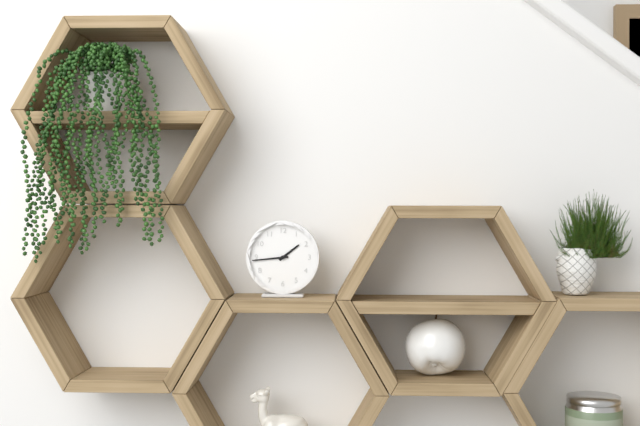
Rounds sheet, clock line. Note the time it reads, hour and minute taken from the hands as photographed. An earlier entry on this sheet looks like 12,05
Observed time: 1,44
